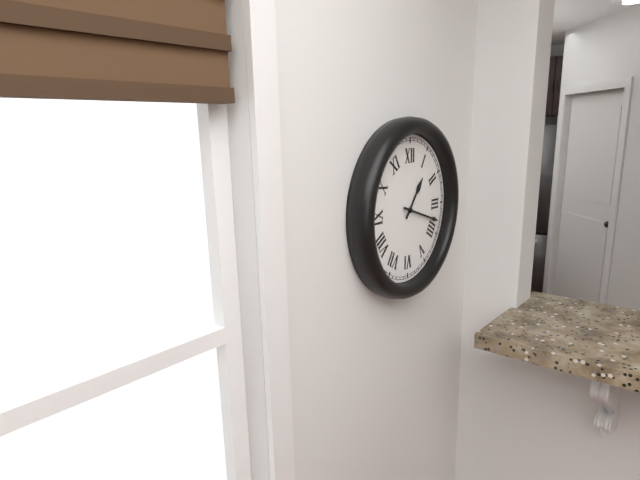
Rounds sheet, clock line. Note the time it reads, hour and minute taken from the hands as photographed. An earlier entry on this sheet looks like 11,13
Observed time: 1,18
